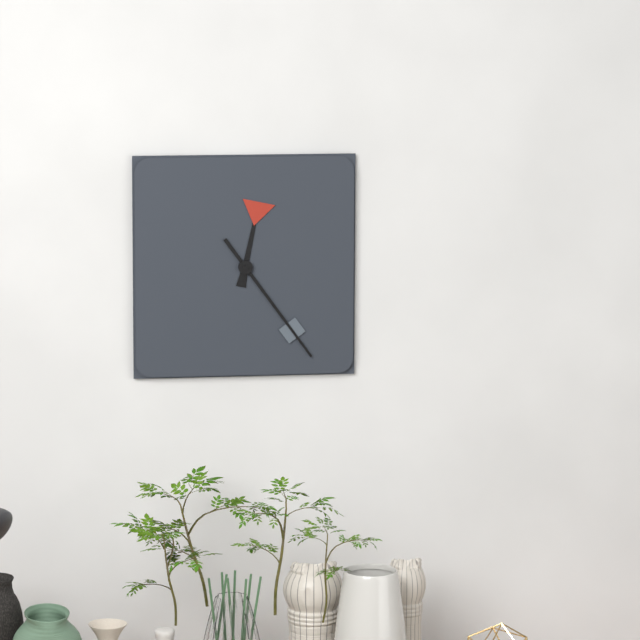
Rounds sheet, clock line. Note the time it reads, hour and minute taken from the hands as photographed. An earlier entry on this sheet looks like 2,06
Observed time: 12,24
